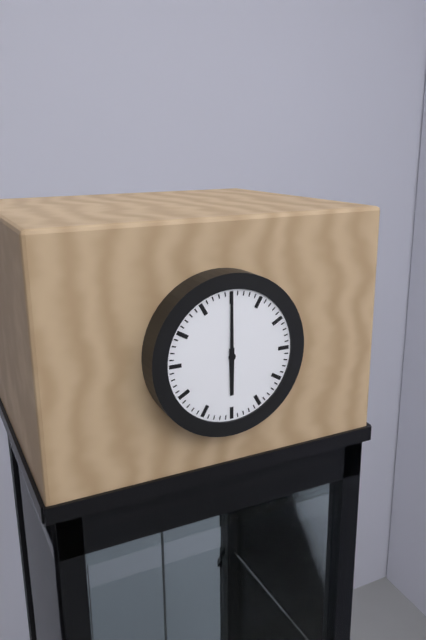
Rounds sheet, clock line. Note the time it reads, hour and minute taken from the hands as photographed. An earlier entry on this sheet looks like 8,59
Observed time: 6,00
